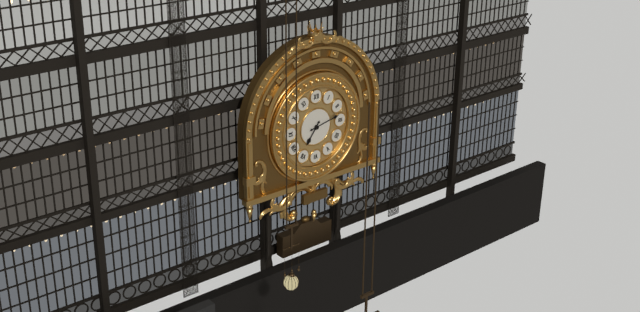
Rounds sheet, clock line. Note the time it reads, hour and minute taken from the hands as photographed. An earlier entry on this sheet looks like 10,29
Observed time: 7,13
